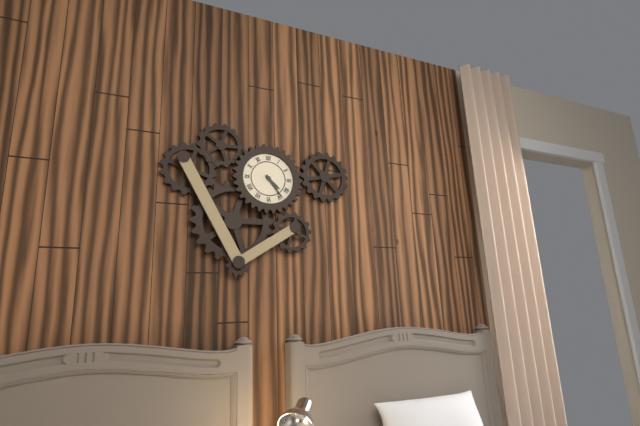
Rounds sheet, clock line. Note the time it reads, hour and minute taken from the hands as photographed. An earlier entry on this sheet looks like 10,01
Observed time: 4,24
